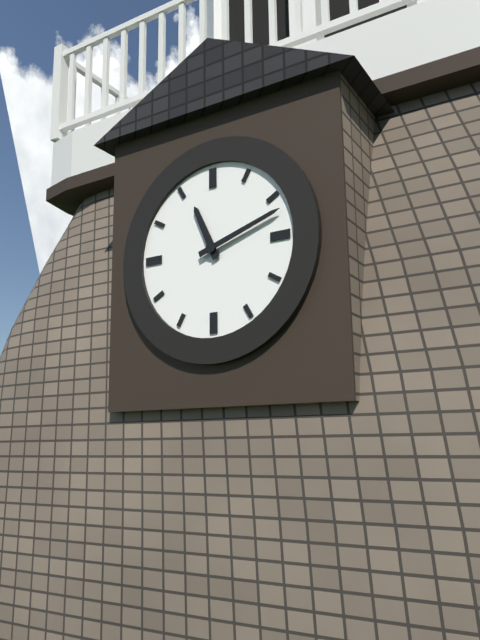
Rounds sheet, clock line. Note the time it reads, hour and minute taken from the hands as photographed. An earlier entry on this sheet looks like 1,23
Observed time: 11,12
